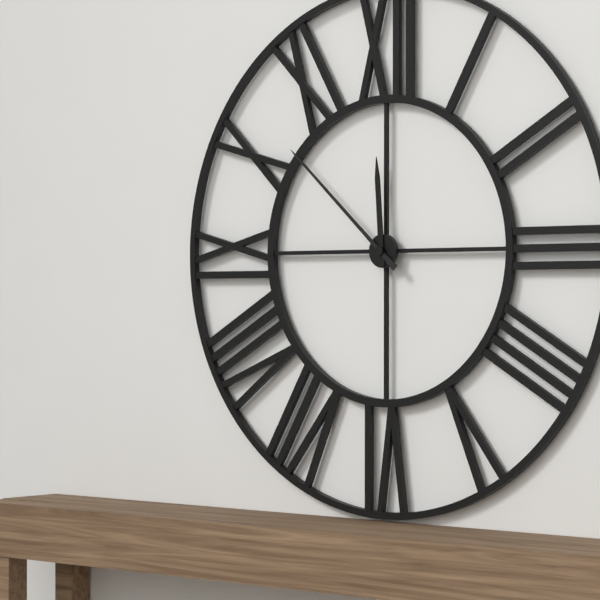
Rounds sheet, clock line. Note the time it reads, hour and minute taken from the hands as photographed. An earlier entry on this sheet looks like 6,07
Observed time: 11,52
